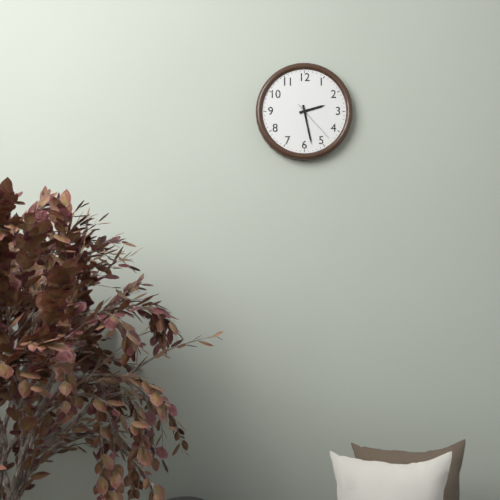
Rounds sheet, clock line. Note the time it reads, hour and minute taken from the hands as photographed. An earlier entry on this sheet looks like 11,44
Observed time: 2,28
